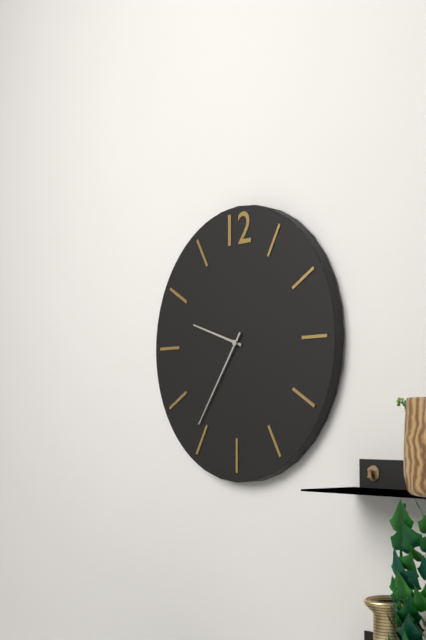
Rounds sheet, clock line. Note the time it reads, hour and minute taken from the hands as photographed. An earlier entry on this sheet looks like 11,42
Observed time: 9,36
